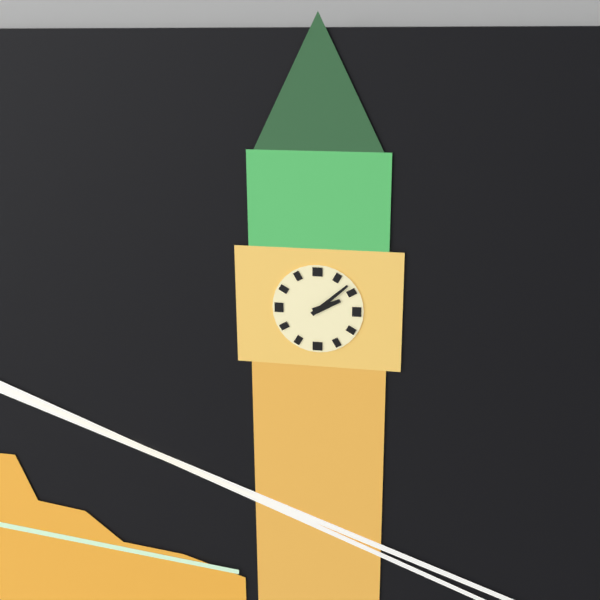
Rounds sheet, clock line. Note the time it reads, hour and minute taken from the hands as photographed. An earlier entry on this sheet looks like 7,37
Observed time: 2,08
